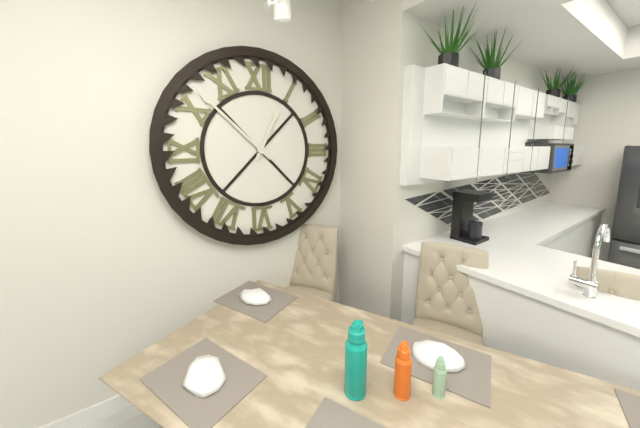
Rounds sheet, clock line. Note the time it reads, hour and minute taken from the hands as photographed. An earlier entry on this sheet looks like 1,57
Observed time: 12,52
